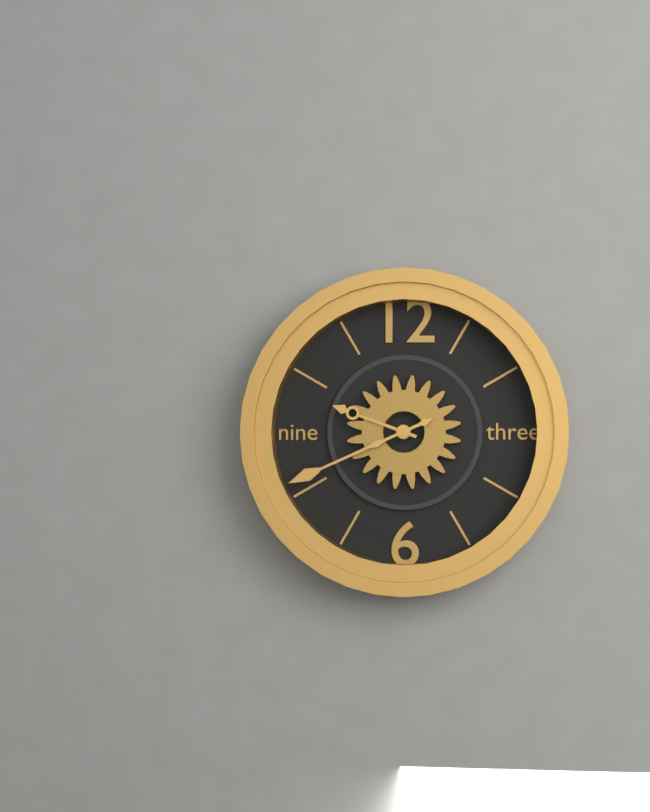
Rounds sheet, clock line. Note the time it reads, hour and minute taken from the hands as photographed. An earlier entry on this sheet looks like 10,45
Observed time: 9,41
